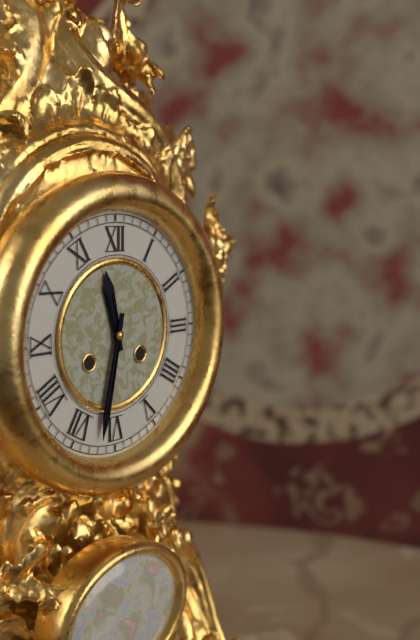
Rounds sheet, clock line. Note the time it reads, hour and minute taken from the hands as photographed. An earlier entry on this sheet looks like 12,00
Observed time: 11,32
